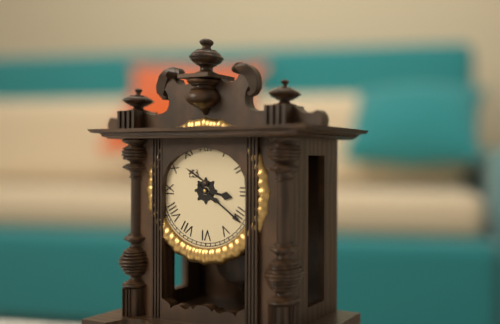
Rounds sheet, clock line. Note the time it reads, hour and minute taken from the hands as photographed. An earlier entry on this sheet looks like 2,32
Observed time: 3,21
